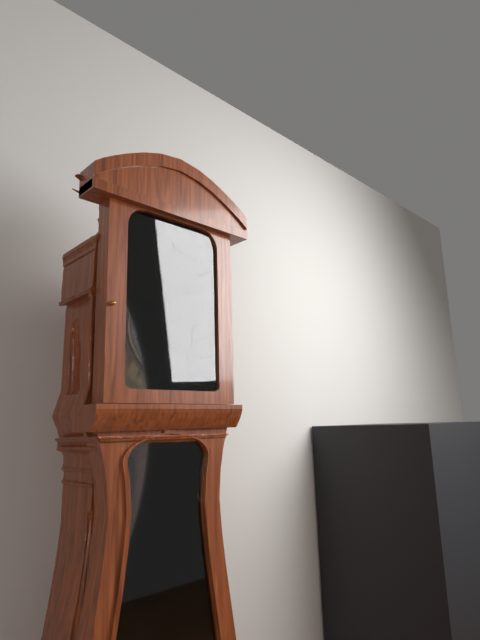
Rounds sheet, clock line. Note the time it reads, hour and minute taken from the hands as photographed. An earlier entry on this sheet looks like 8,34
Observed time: 7,59
